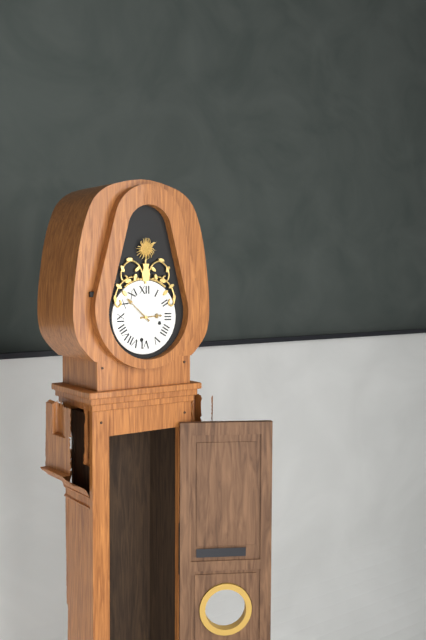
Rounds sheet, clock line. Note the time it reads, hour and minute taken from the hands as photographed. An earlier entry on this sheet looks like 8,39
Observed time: 2,52
